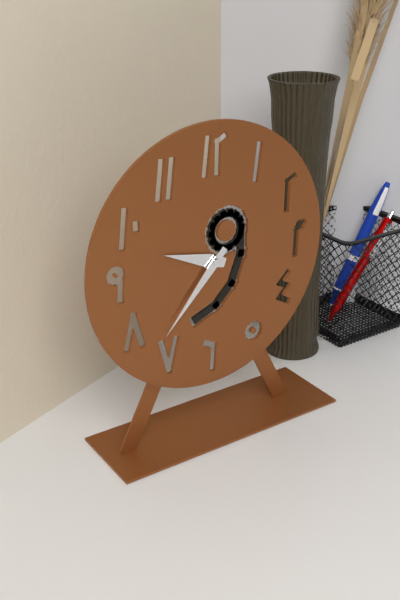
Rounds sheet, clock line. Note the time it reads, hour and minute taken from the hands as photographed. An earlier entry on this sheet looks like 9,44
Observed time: 9,37
